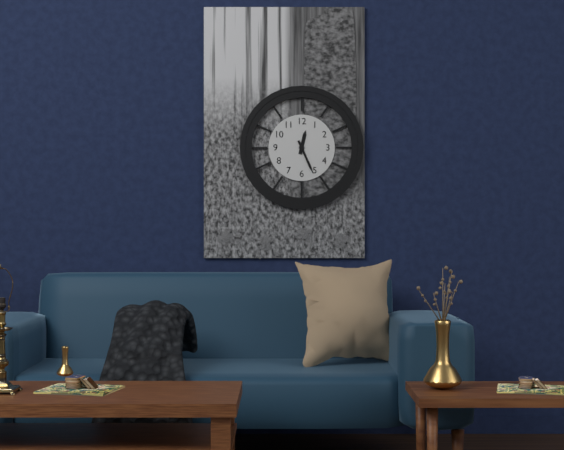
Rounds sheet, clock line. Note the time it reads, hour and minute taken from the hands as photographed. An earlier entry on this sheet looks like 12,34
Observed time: 12,26
